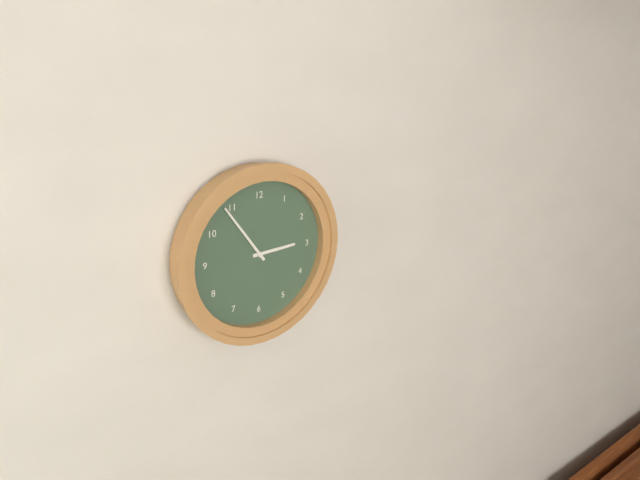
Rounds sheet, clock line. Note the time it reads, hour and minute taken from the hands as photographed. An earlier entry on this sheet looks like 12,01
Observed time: 2,54
